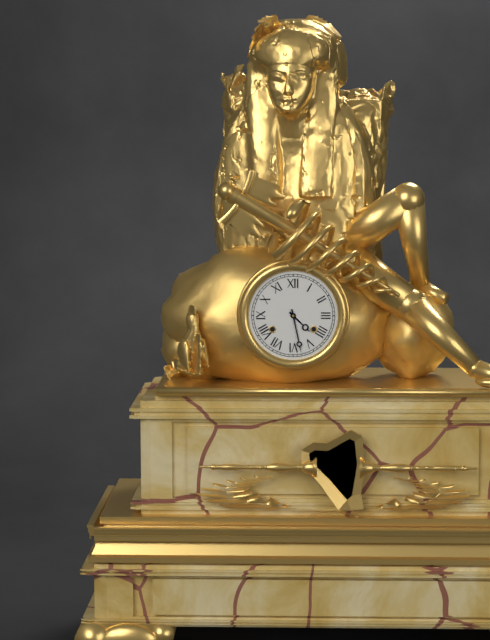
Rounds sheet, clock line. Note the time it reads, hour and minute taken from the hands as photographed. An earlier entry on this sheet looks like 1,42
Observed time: 4,28
